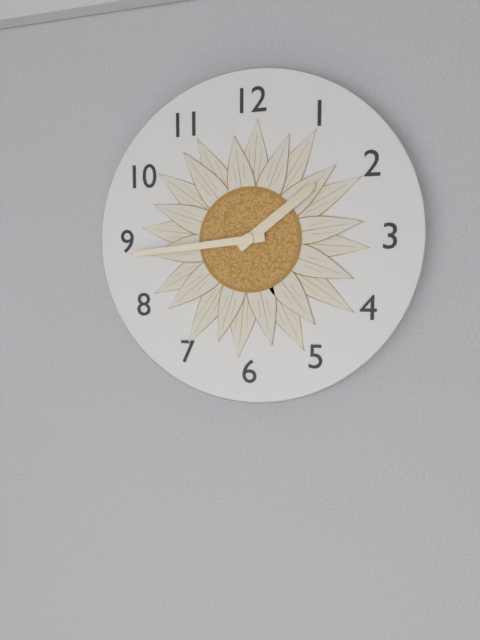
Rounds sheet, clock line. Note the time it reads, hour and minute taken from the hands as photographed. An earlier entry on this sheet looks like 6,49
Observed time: 1,44
